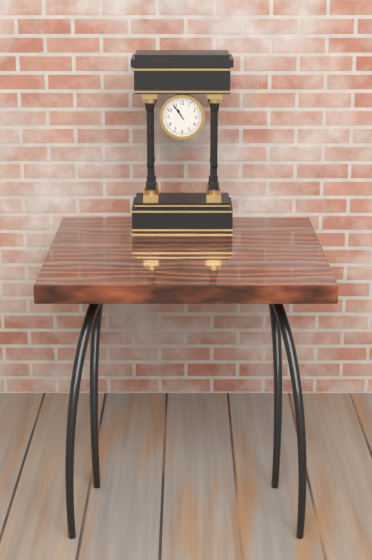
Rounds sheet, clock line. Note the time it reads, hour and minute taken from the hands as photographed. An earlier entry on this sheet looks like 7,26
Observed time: 10,54
